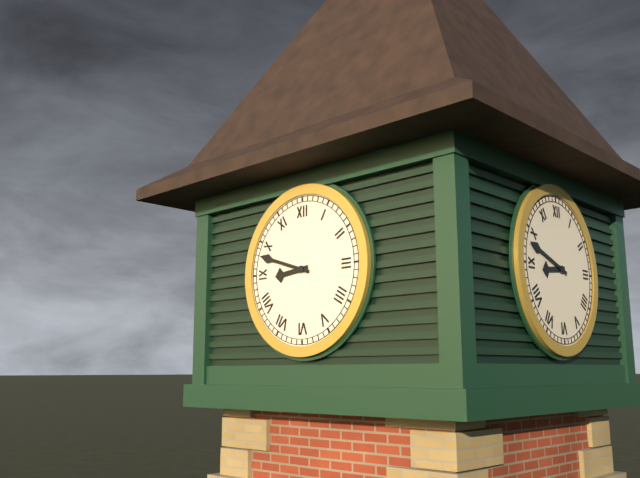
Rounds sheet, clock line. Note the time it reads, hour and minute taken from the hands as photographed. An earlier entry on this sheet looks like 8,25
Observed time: 8,48
